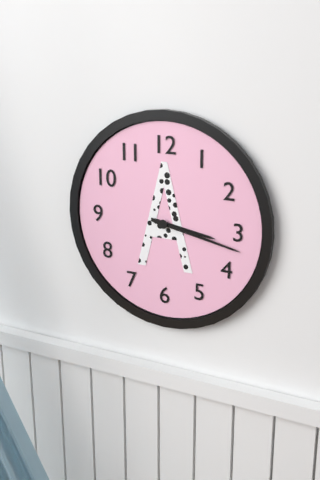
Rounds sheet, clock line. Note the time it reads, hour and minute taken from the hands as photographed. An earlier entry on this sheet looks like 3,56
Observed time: 3,17
